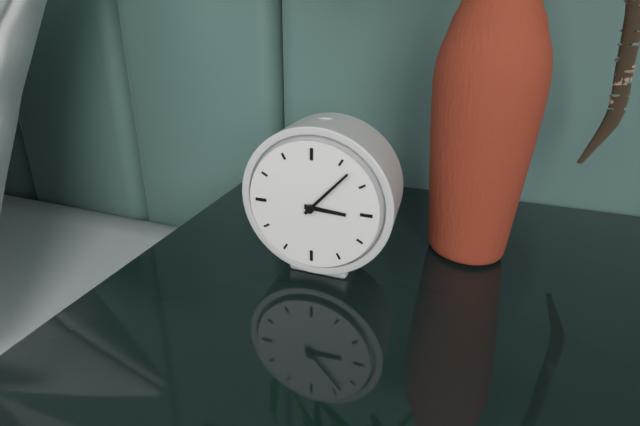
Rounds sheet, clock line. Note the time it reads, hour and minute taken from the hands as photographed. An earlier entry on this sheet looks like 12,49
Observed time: 3,07
